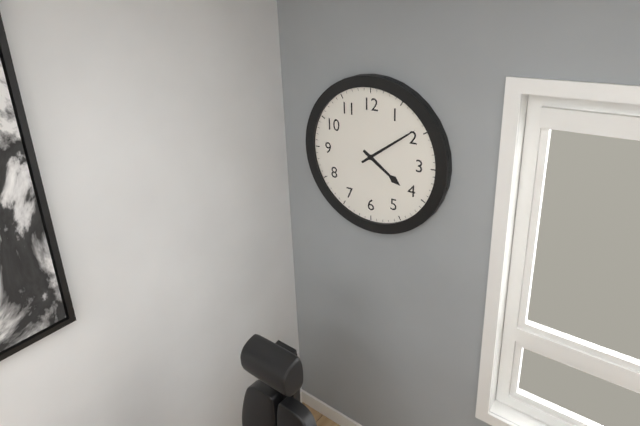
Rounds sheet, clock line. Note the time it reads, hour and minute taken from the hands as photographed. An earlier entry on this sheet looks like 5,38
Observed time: 4,09
